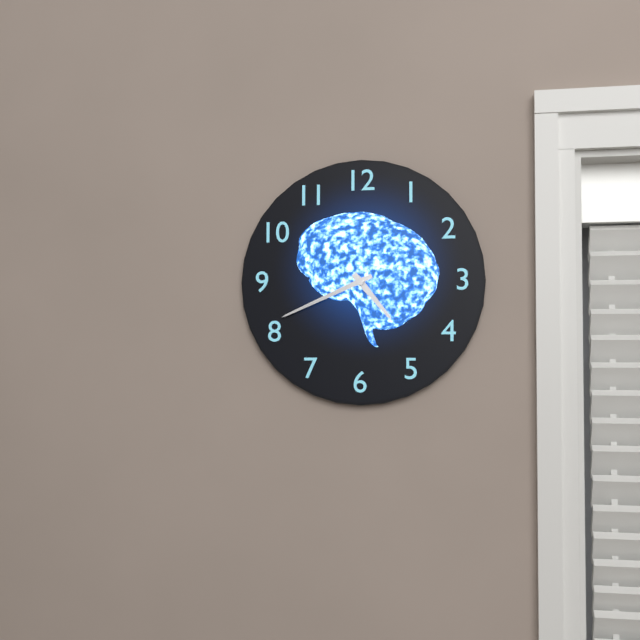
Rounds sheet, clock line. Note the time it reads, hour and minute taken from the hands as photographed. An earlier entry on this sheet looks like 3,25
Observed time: 4,41
